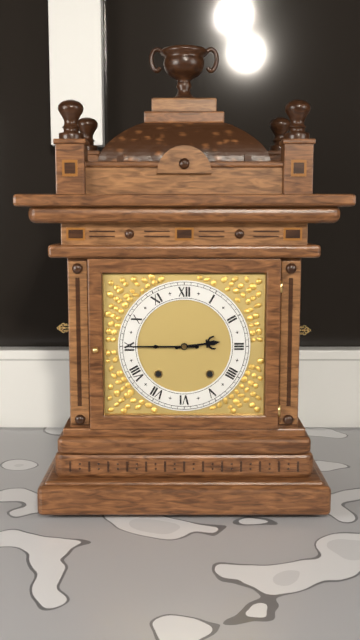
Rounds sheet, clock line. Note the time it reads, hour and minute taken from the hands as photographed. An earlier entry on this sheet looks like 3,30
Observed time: 2,45
